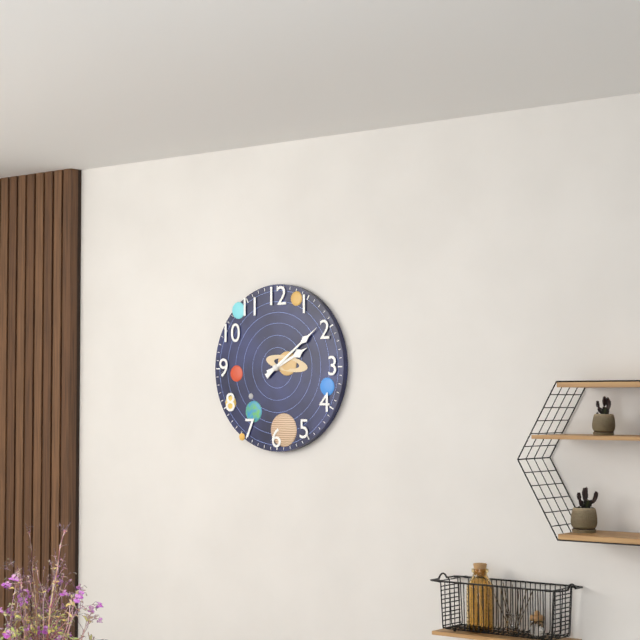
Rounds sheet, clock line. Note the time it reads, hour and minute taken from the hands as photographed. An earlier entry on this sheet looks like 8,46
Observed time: 2,09
